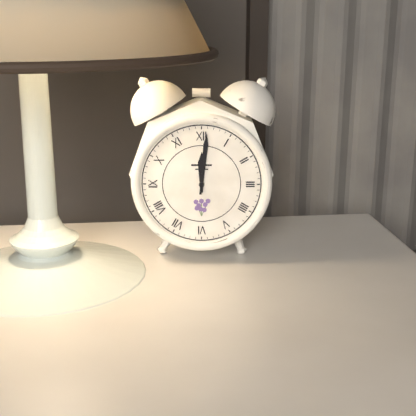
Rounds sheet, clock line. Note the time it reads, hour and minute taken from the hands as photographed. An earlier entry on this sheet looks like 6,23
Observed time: 12,01
